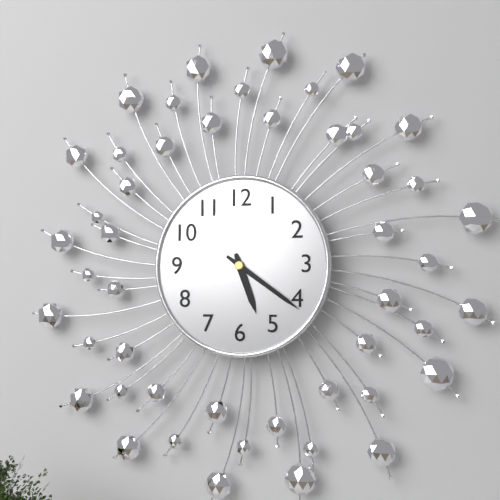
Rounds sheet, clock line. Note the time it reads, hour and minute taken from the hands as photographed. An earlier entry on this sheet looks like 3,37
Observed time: 5,21
